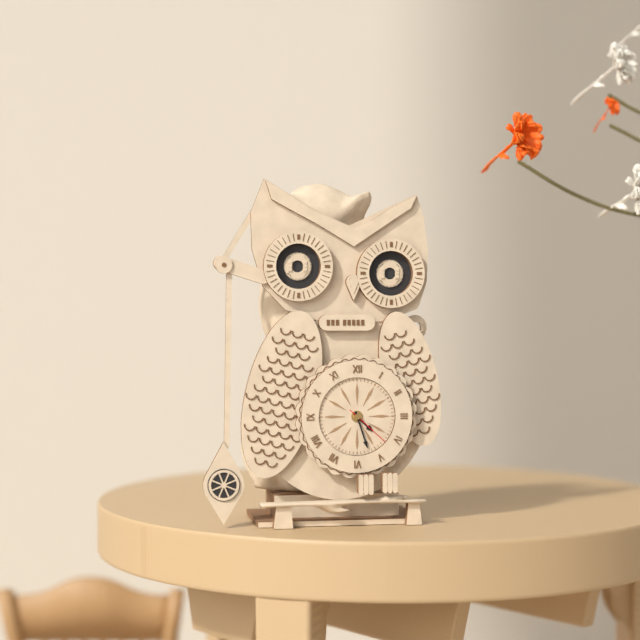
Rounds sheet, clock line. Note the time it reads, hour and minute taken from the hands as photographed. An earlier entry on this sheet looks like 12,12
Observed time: 4,27
